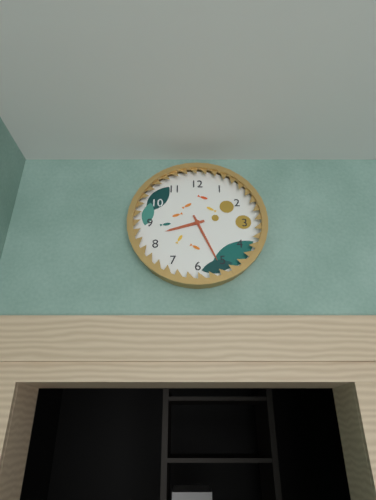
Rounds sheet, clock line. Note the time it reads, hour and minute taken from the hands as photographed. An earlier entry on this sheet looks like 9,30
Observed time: 8,26
